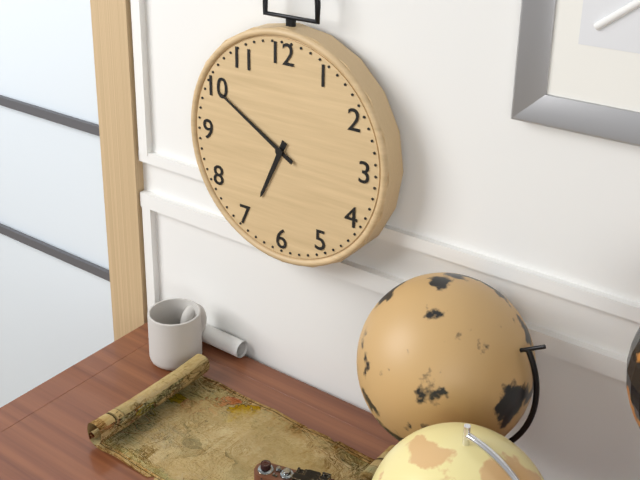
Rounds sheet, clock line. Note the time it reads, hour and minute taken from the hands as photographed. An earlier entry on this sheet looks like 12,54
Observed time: 6,50
